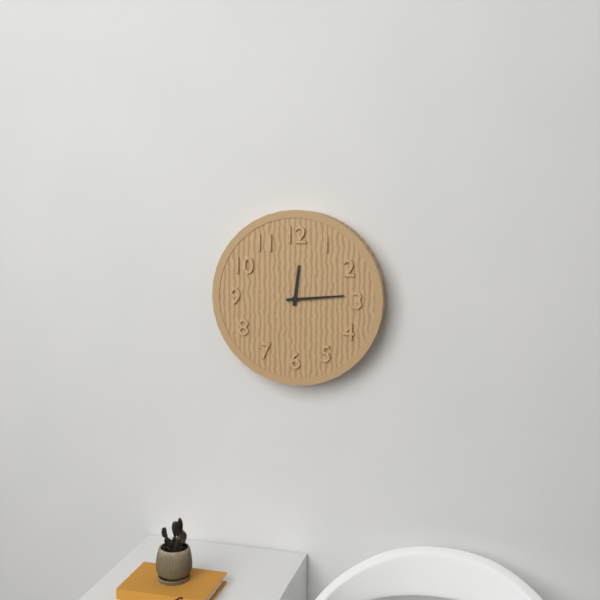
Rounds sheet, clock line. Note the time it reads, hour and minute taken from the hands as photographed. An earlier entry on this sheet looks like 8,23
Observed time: 12,14
